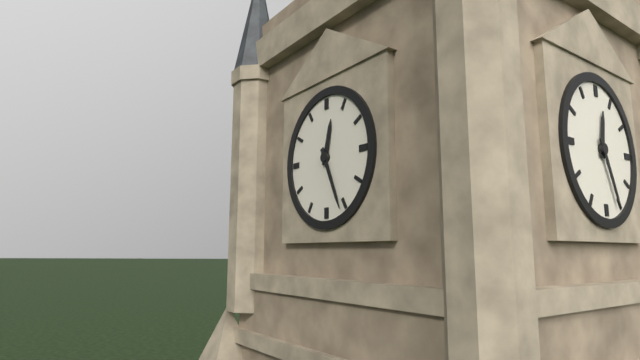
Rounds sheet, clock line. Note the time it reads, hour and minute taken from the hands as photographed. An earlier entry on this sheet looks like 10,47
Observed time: 12,26
